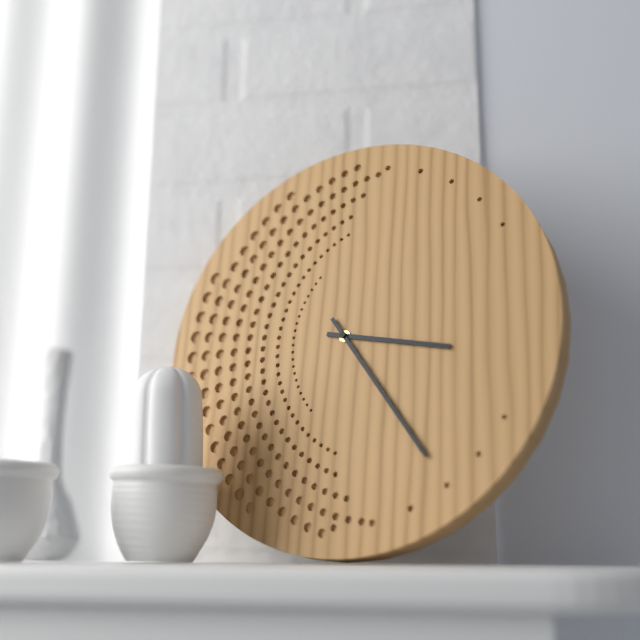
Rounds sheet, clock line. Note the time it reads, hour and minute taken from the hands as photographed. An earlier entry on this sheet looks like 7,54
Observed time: 3,24
